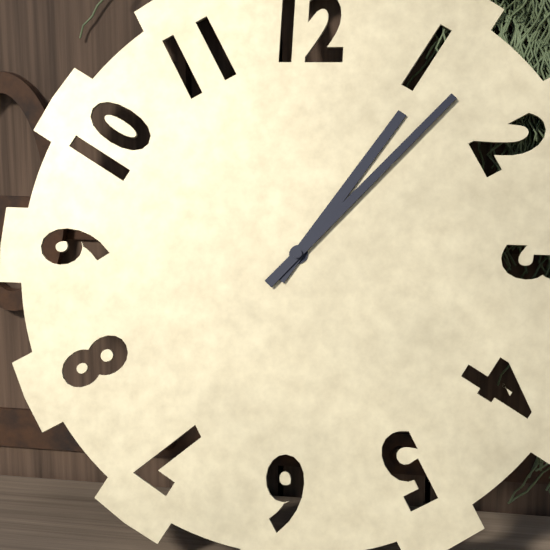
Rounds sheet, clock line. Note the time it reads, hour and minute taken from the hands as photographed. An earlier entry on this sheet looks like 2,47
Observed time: 1,07
